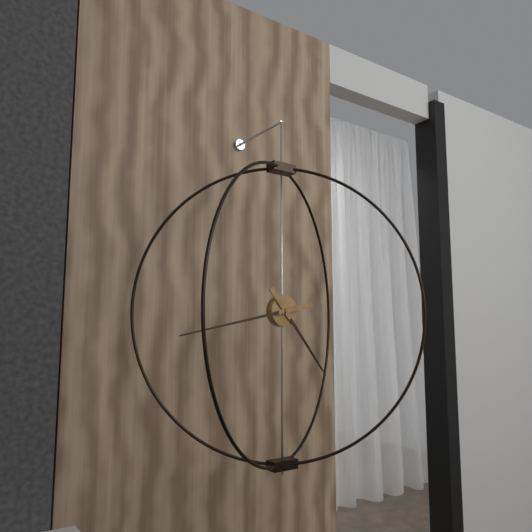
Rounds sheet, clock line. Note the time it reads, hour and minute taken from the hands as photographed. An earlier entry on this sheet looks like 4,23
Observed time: 4,43
